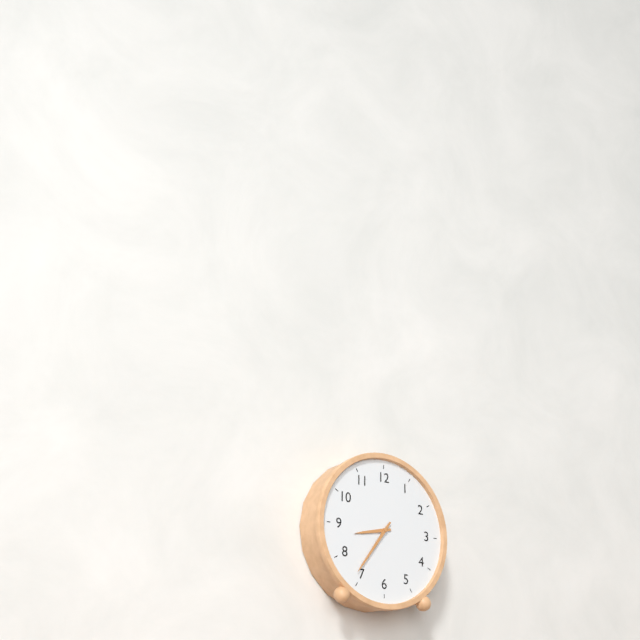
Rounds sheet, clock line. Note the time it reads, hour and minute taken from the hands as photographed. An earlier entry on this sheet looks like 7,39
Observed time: 8,36
